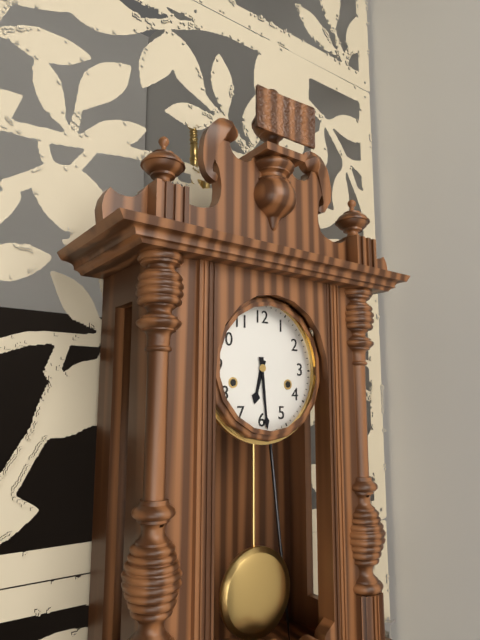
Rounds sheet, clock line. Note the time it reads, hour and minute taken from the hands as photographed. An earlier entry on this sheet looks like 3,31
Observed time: 6,29
